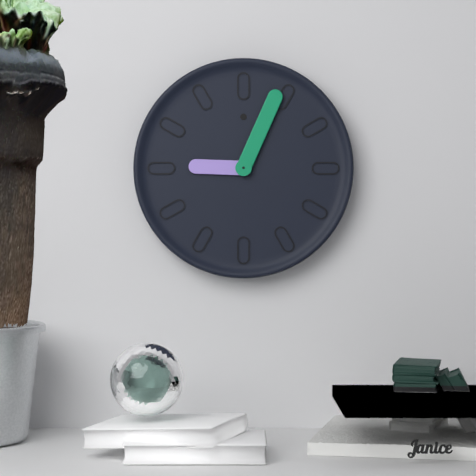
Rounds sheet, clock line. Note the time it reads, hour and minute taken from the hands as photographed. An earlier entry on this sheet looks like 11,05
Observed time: 9,04
